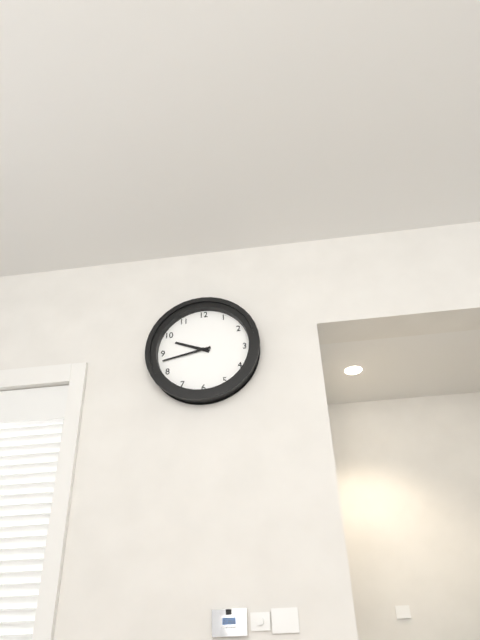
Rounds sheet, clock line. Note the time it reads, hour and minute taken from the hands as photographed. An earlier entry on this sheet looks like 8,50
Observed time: 9,43
